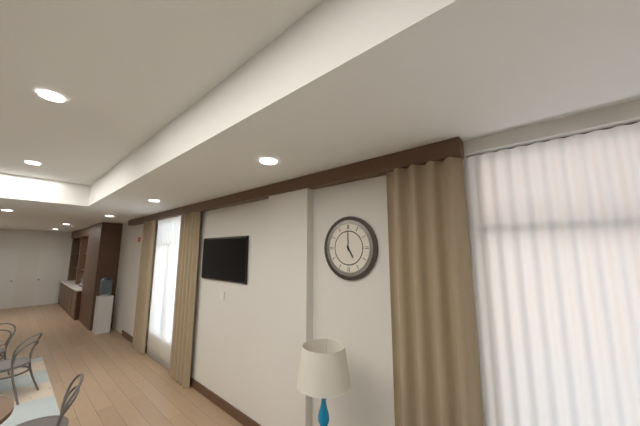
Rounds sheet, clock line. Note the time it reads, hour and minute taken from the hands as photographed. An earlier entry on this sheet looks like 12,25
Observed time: 5,00
